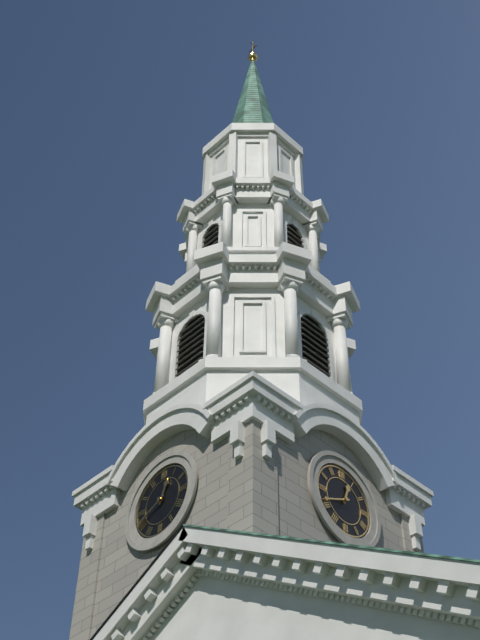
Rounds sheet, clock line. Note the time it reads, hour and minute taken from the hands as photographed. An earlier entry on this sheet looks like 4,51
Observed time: 12,41
